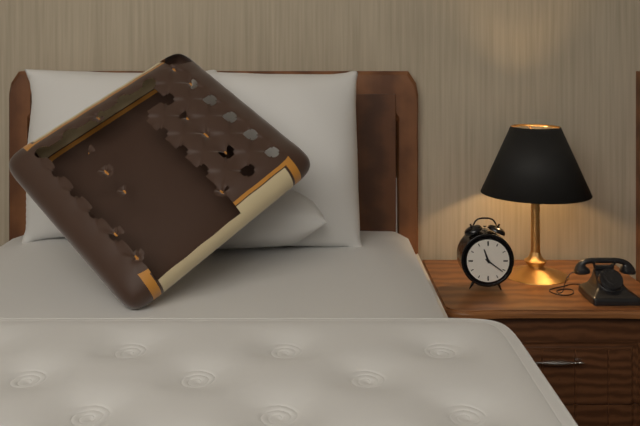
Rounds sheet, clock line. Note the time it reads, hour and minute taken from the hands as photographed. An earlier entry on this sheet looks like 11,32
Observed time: 11,21
